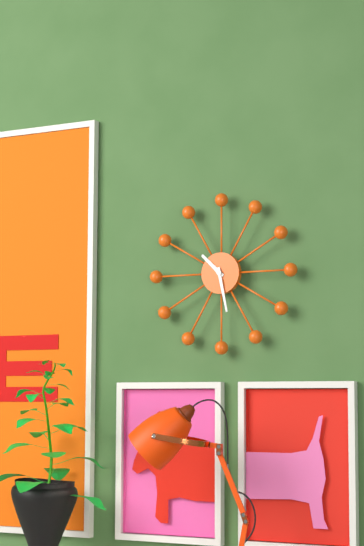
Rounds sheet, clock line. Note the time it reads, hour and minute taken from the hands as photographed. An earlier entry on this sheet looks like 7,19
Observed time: 10,28
